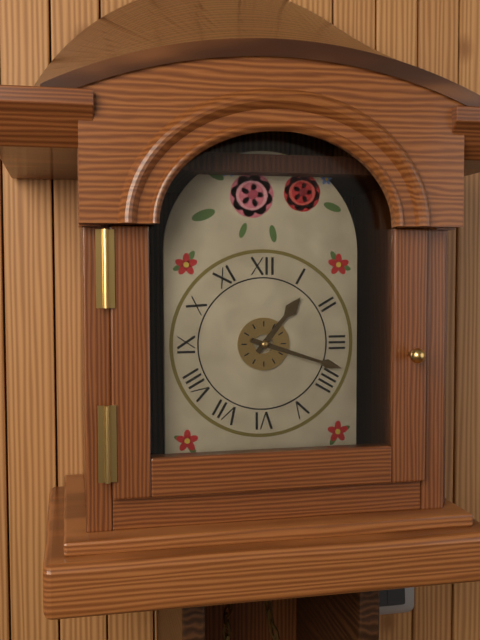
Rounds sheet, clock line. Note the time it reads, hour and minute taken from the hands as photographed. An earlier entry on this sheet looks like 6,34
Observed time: 1,18
